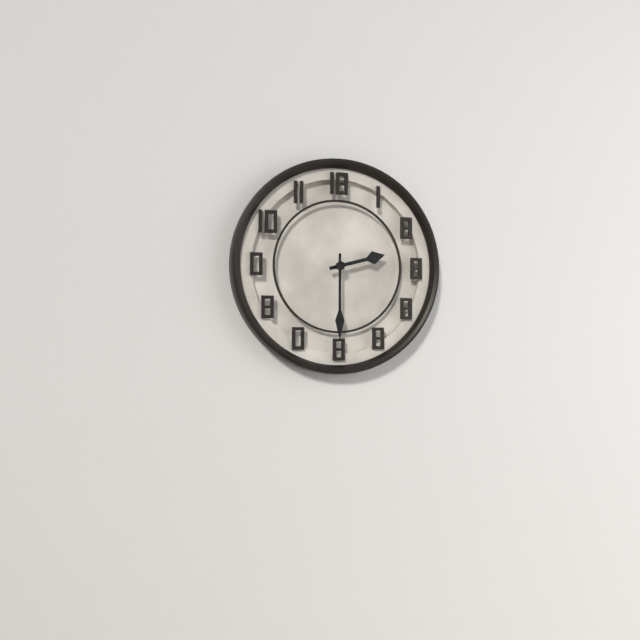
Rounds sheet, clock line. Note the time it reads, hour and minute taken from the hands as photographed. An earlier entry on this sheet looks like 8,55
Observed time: 2,30
